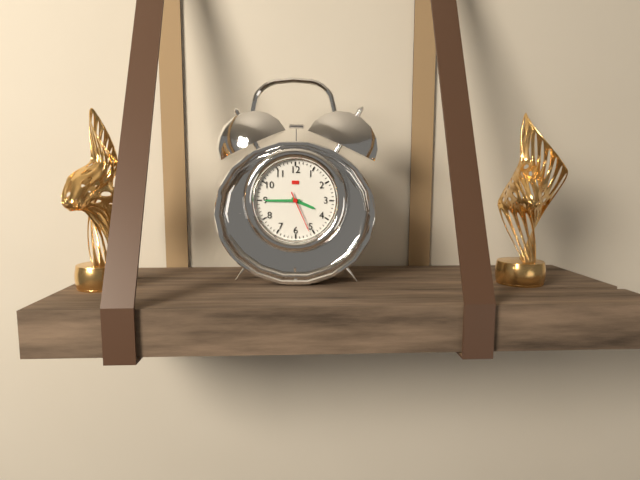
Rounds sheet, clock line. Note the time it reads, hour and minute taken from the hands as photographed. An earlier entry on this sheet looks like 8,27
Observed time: 3,45
